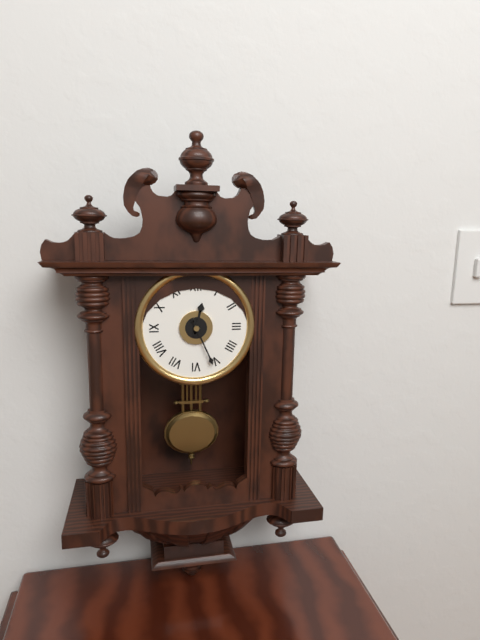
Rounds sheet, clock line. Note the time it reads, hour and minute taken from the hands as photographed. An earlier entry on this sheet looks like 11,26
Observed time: 12,26
